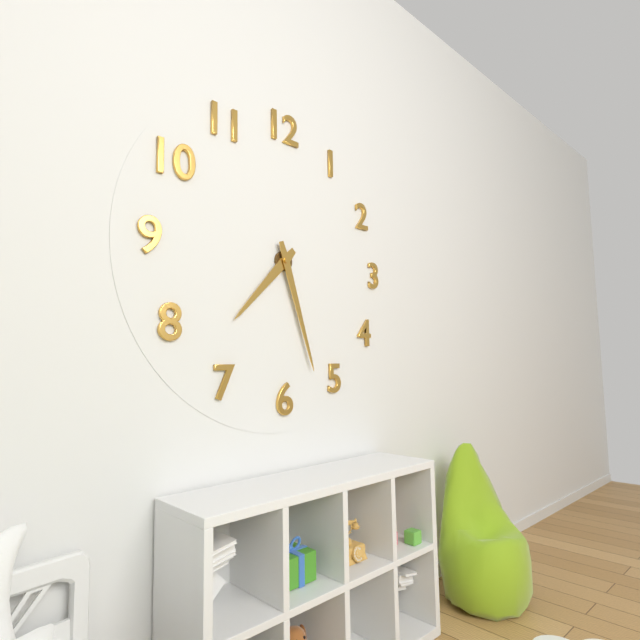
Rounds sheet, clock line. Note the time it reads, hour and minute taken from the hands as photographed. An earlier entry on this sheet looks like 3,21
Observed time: 7,27
